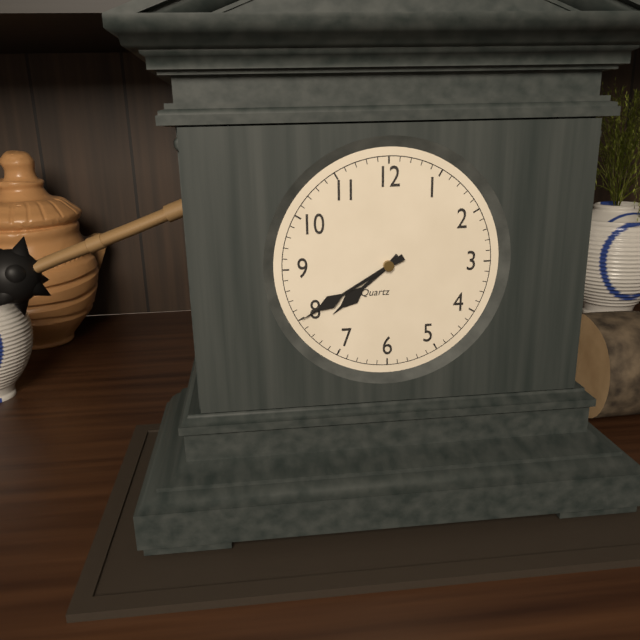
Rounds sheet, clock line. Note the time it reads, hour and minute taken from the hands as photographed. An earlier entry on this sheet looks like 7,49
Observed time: 7,40
